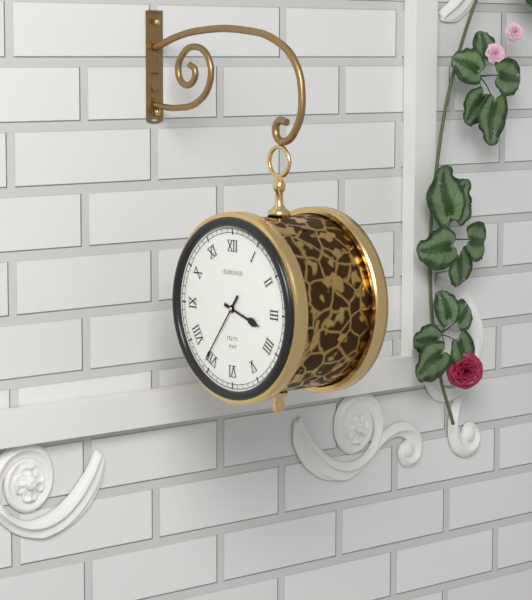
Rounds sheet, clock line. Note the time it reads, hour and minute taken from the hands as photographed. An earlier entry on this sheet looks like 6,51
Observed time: 3,36
